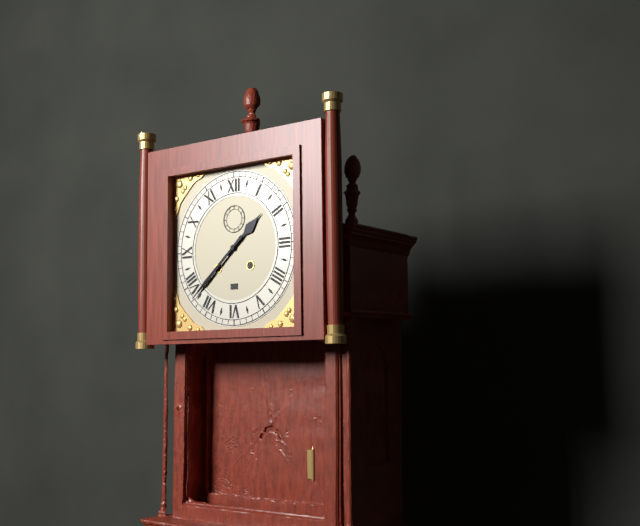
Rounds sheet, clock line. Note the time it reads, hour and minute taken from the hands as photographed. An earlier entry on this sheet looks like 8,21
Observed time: 1,38
